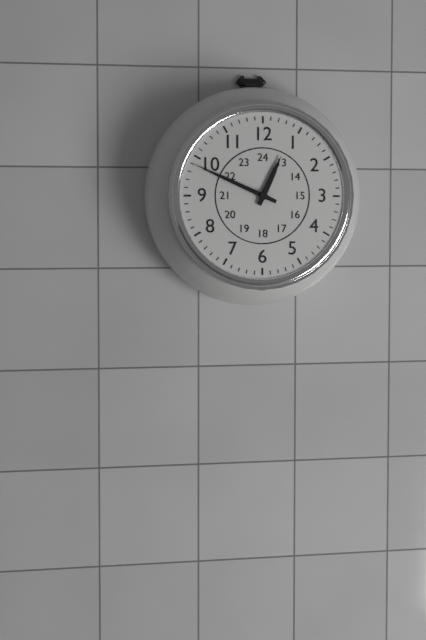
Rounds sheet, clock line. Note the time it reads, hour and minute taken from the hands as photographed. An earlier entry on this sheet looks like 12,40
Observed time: 12,49
